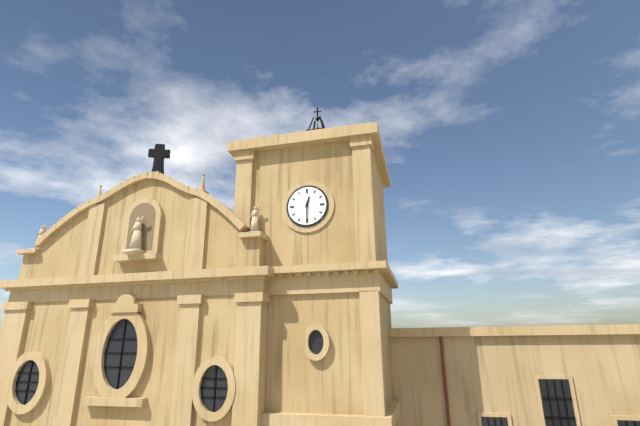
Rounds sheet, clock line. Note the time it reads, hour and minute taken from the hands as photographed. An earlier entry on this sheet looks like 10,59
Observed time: 12,30
